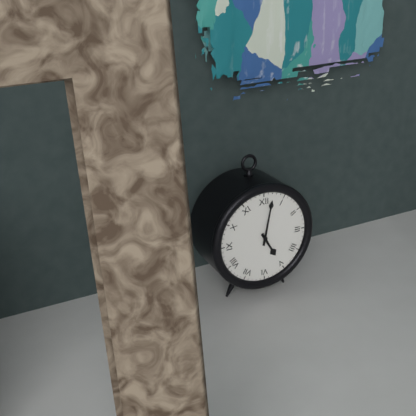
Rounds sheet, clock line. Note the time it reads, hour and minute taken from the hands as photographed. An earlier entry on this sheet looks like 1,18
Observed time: 5,02
